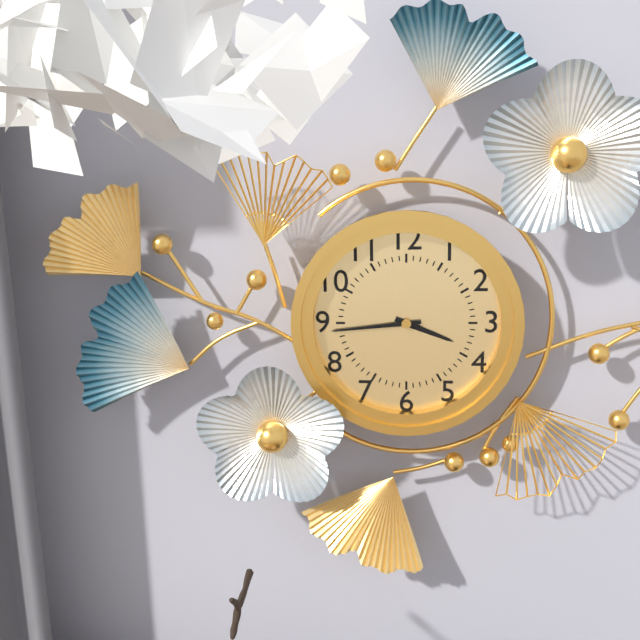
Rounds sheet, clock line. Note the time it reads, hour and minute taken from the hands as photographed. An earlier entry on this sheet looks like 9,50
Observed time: 3,44
